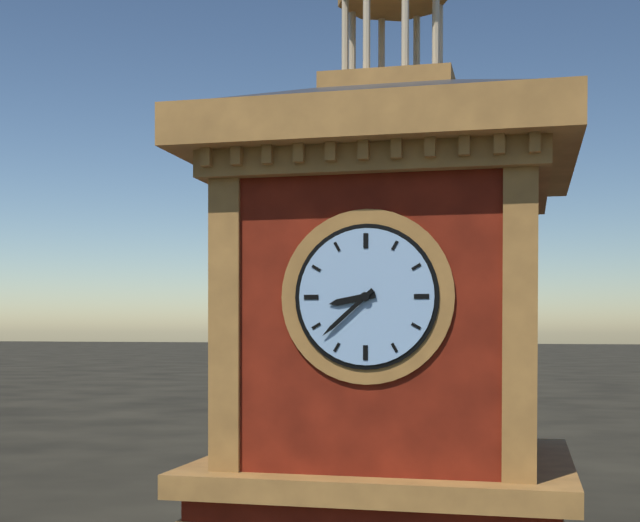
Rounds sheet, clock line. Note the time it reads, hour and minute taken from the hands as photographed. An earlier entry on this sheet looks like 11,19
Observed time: 8,38
